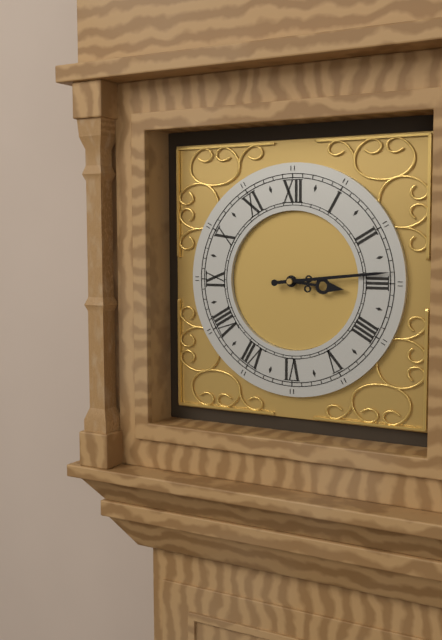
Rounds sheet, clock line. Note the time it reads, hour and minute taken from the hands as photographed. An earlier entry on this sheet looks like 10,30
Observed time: 3,14
